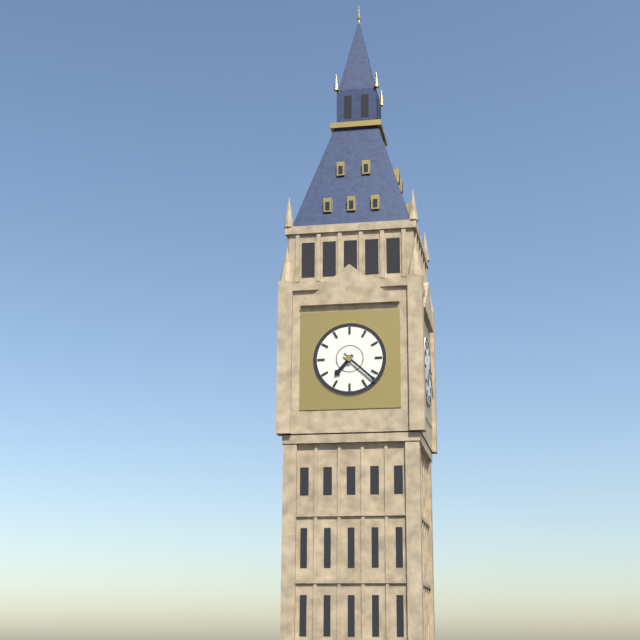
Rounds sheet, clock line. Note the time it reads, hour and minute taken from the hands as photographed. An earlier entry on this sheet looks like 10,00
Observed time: 7,22
